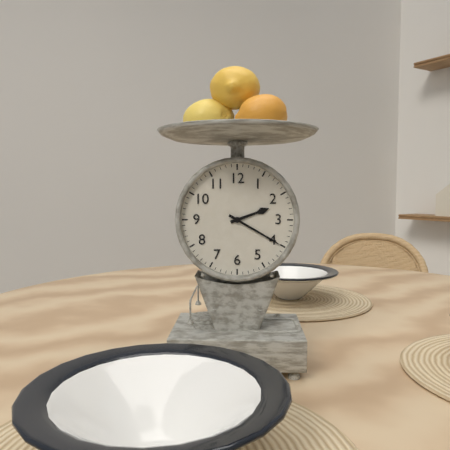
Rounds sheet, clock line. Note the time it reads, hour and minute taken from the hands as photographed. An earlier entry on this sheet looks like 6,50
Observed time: 2,20
